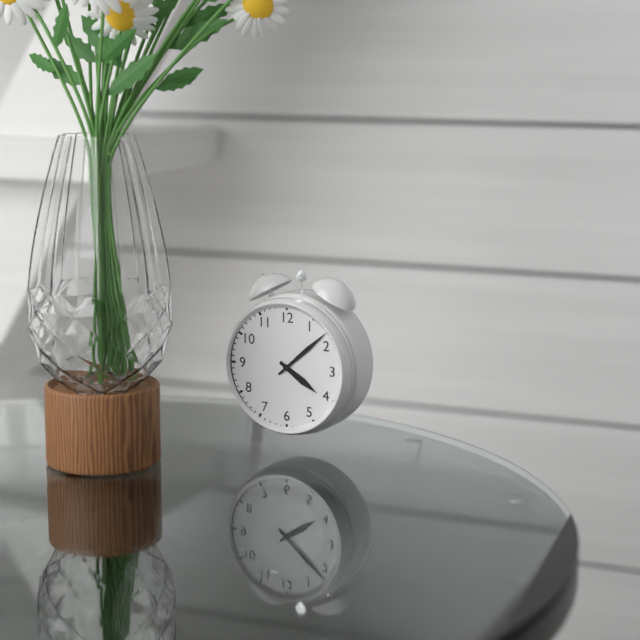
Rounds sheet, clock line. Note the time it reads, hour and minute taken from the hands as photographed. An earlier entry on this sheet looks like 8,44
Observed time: 4,08
